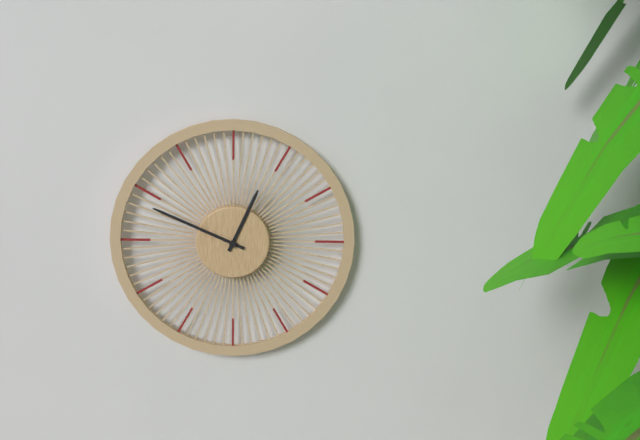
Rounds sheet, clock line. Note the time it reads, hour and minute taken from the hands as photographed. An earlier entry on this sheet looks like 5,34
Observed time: 12,49
